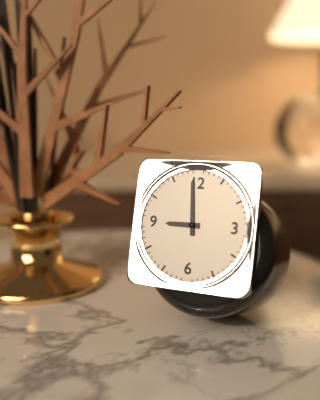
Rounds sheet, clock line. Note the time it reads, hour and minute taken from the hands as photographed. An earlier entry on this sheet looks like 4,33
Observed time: 8,59
